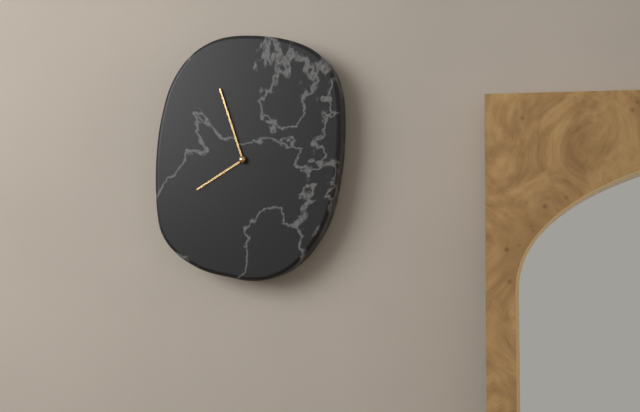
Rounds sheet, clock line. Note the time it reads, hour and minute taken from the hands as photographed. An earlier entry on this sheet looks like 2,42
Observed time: 7,57
